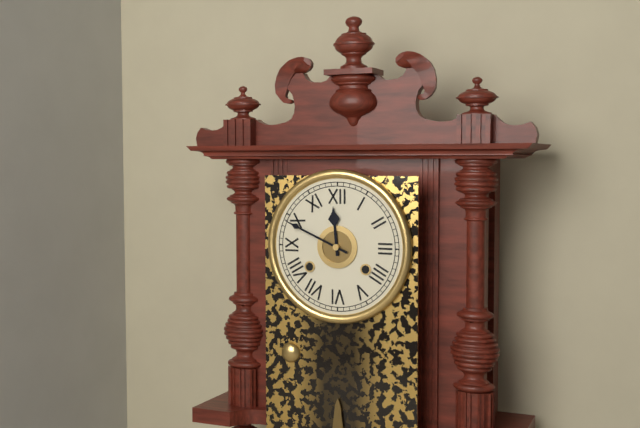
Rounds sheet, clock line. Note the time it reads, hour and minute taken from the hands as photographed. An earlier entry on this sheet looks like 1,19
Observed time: 11,49
